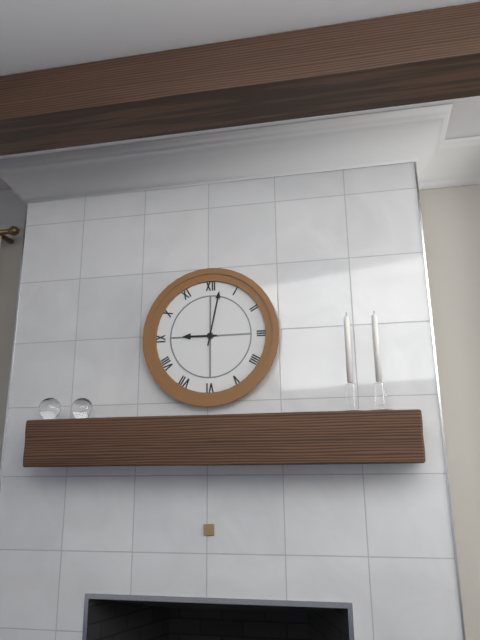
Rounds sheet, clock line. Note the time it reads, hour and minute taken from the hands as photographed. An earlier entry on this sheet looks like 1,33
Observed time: 9,02
